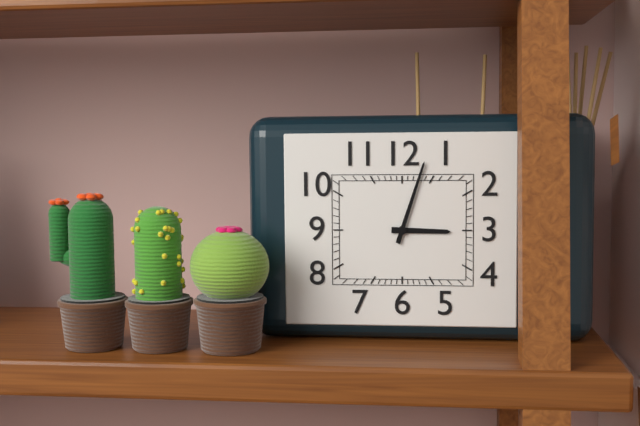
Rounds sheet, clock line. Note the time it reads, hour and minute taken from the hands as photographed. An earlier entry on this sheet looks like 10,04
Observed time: 3,03
